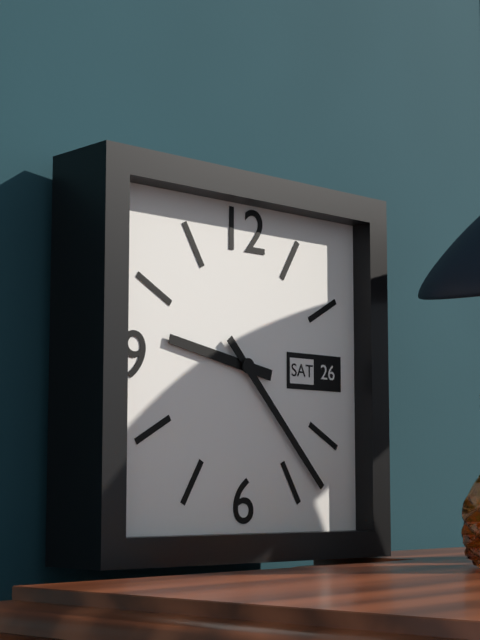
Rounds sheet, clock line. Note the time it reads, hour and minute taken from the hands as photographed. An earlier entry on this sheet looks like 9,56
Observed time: 9,23
